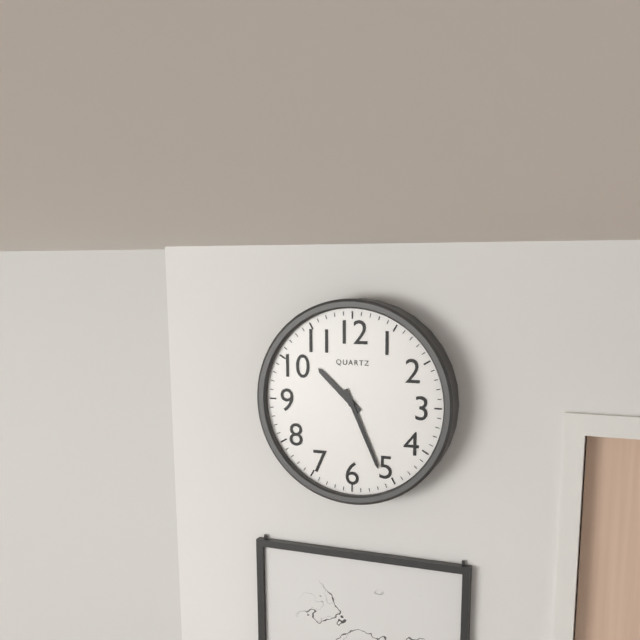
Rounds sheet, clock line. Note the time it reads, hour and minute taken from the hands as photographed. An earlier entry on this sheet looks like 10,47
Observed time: 10,26
